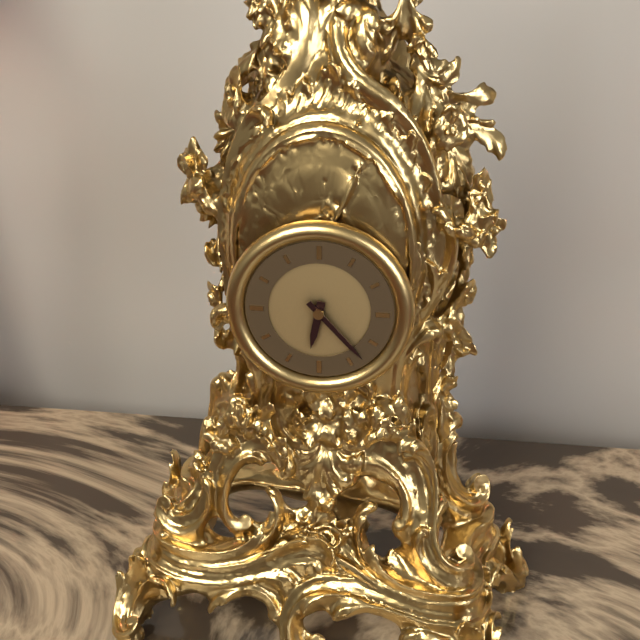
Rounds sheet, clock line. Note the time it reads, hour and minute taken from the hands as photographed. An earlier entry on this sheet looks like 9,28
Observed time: 6,23
